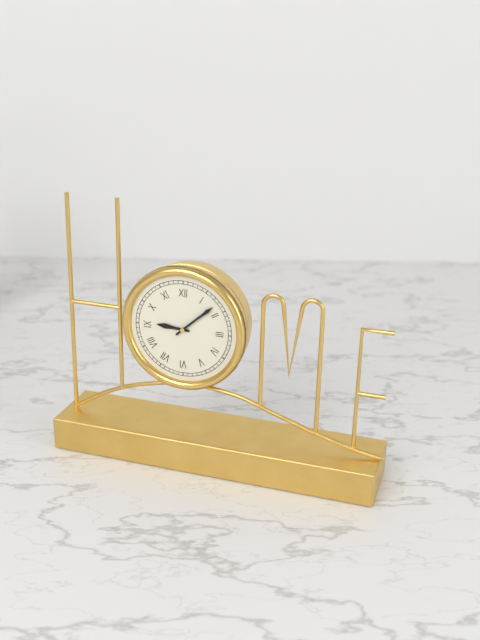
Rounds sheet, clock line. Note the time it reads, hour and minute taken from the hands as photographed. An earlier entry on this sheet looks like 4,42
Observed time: 9,08
